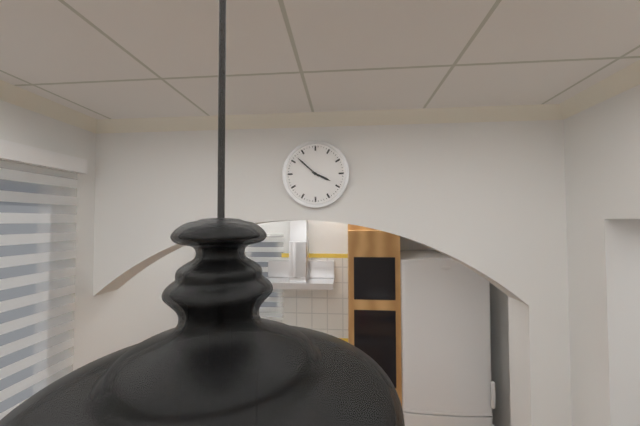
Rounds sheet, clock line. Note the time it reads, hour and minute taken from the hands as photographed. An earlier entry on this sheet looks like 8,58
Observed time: 3,52
